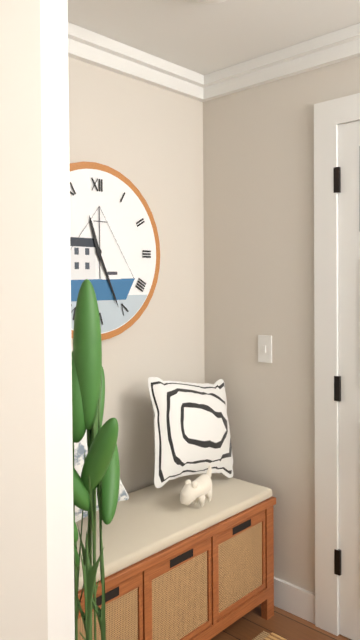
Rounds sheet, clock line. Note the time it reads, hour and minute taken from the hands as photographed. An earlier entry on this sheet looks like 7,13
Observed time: 11,26
